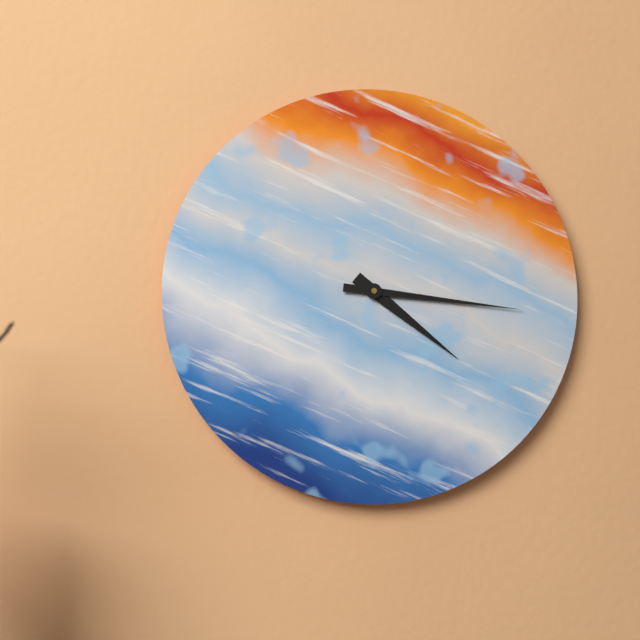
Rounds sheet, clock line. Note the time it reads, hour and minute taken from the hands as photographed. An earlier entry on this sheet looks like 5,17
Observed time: 4,16
